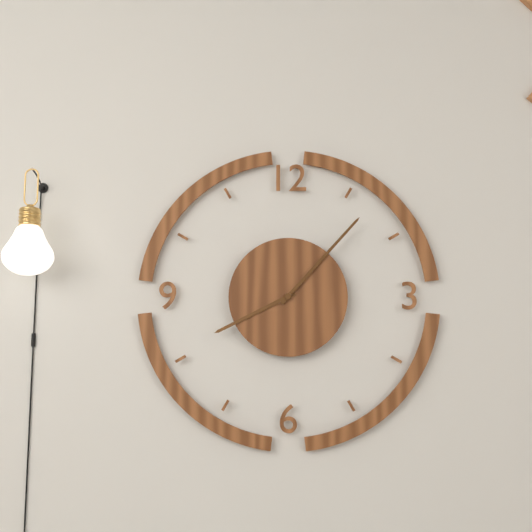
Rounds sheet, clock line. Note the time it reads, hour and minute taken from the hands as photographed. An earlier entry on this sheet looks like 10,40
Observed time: 8,07
